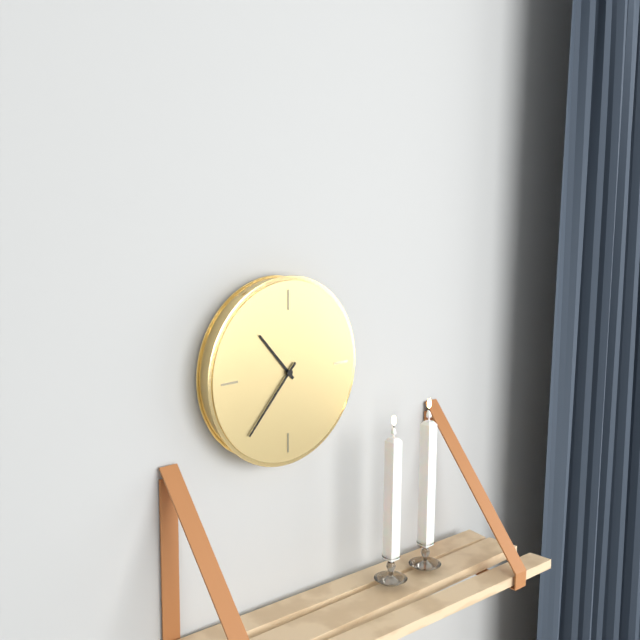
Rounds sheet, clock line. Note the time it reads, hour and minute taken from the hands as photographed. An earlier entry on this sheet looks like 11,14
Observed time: 10,37
